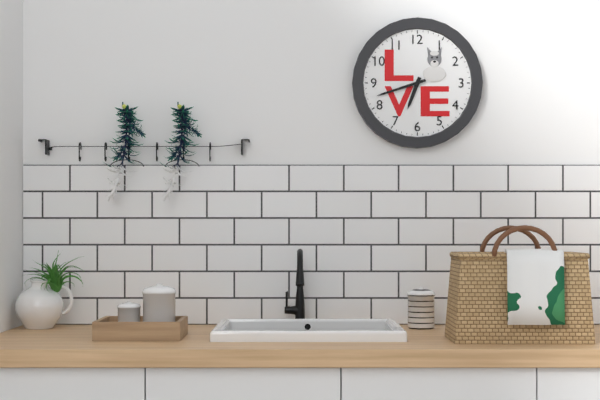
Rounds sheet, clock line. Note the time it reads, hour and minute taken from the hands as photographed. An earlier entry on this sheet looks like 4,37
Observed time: 6,42
